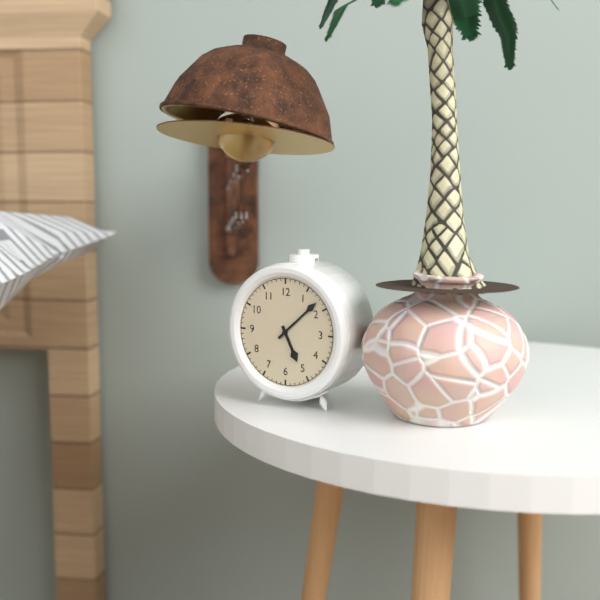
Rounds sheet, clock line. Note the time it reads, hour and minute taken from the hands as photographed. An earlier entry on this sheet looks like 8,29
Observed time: 5,08
